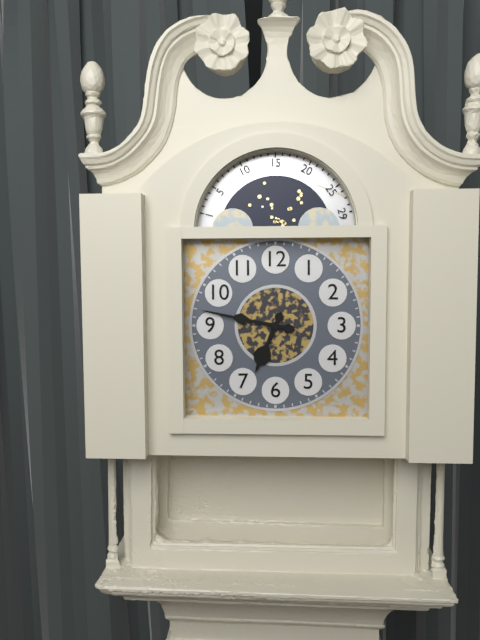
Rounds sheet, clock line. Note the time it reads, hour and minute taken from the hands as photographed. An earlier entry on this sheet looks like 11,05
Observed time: 6,47
